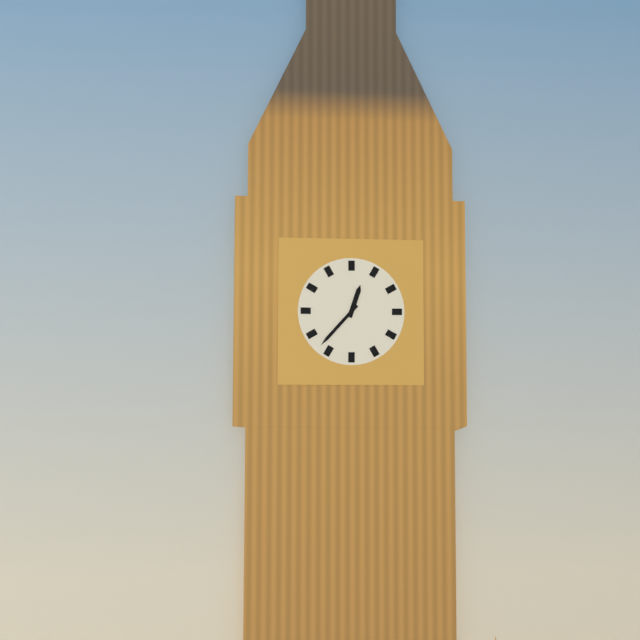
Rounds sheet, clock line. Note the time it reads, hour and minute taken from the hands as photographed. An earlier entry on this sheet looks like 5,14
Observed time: 12,37
